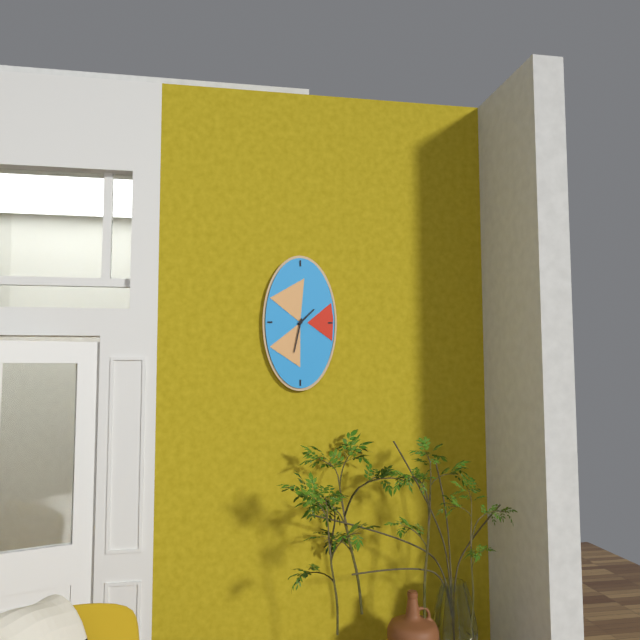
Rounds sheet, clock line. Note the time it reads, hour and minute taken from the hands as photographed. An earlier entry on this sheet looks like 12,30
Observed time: 1,32
